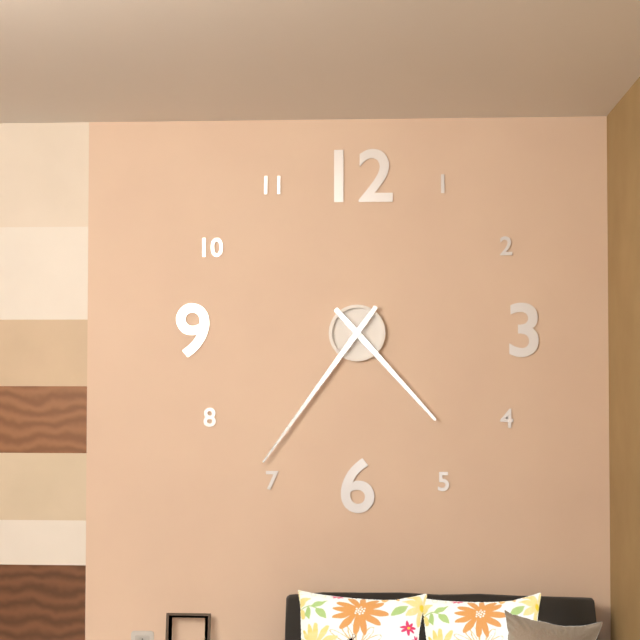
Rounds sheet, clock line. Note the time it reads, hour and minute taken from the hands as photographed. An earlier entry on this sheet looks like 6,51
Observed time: 4,36
